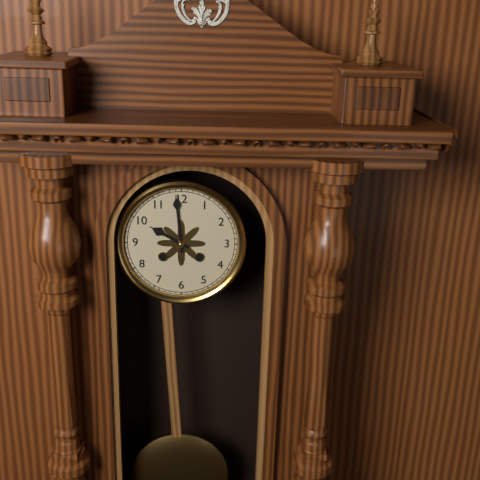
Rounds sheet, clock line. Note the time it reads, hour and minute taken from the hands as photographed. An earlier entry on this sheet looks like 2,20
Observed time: 9,59
